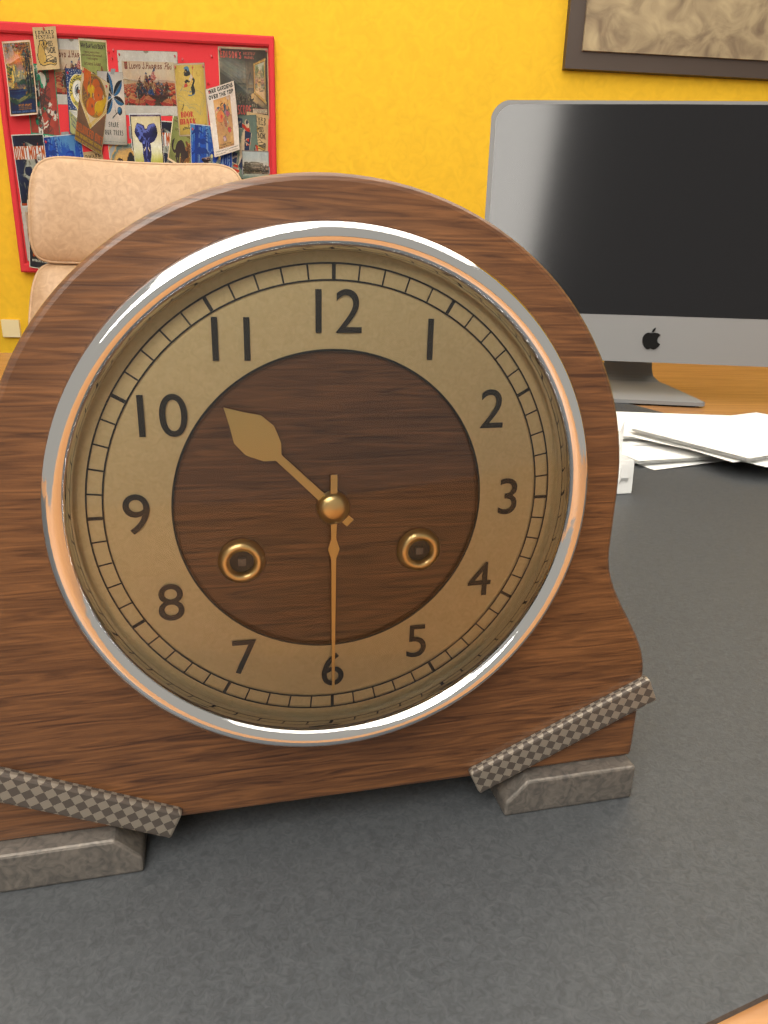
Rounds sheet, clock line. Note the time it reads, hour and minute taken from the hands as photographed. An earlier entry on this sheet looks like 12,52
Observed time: 10,30
